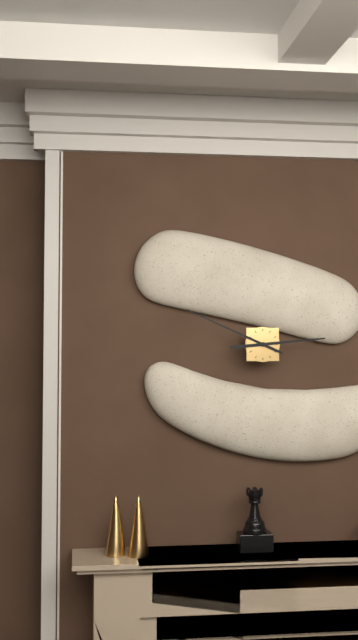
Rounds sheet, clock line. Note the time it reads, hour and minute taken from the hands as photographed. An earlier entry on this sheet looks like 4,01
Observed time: 2,49
